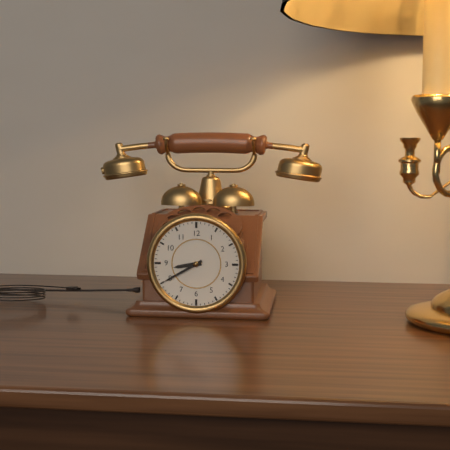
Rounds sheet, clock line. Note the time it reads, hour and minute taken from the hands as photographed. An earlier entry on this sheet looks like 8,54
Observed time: 8,40
